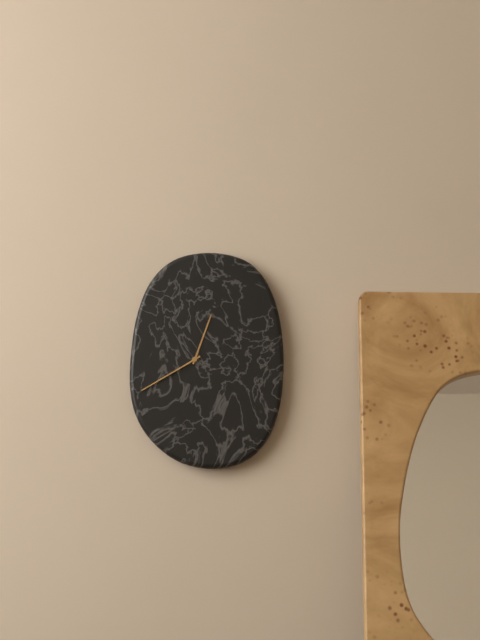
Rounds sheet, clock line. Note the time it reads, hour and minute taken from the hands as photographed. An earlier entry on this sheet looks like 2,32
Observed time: 12,40
